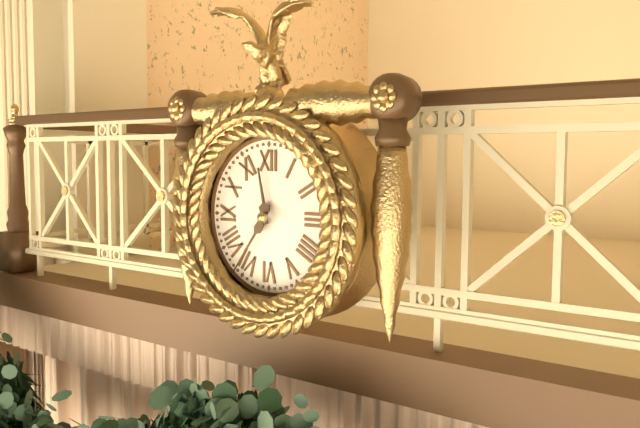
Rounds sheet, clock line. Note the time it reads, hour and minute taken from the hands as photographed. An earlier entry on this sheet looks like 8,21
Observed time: 11,36
